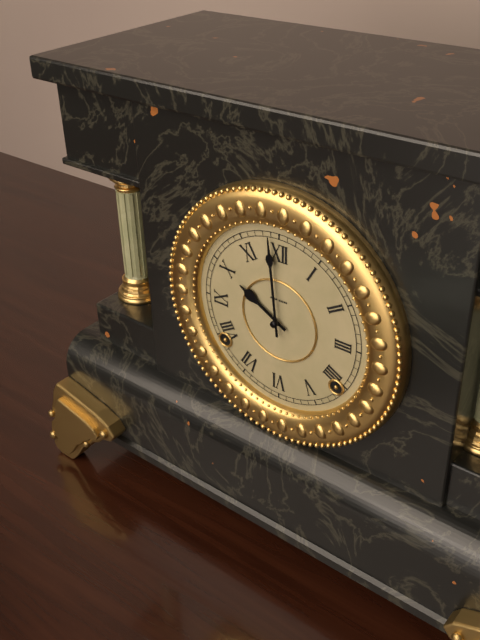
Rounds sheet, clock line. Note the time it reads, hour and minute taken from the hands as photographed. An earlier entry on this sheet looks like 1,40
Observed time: 9,59
